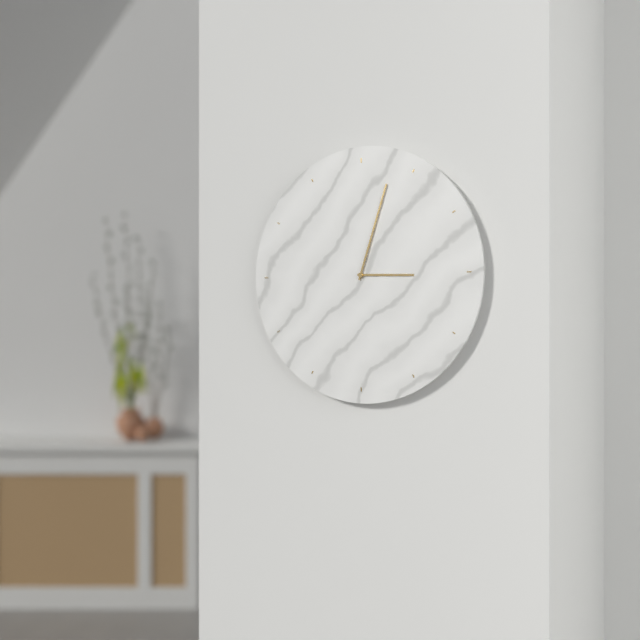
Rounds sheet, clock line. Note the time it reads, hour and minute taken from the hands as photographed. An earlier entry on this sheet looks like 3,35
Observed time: 3,03
